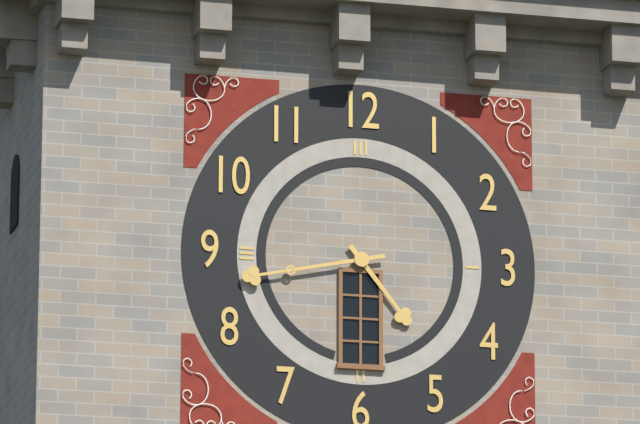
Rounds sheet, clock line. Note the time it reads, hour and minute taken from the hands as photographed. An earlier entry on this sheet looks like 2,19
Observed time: 4,43
